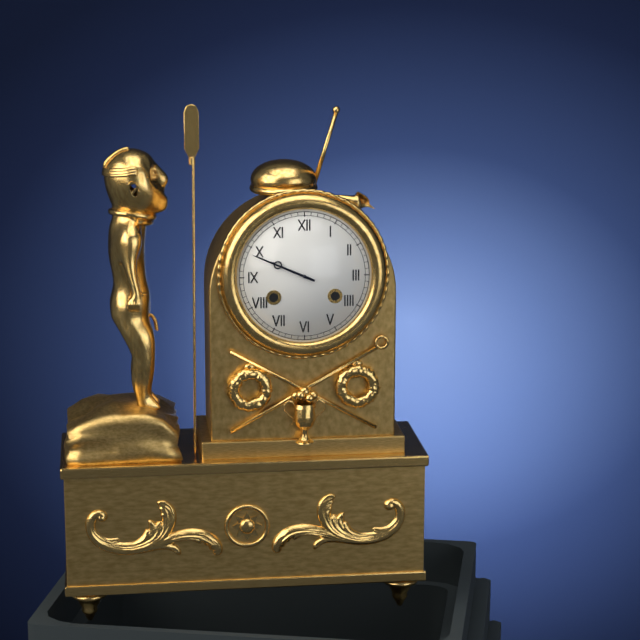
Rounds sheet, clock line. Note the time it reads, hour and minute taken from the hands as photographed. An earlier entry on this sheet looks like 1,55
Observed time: 9,49
